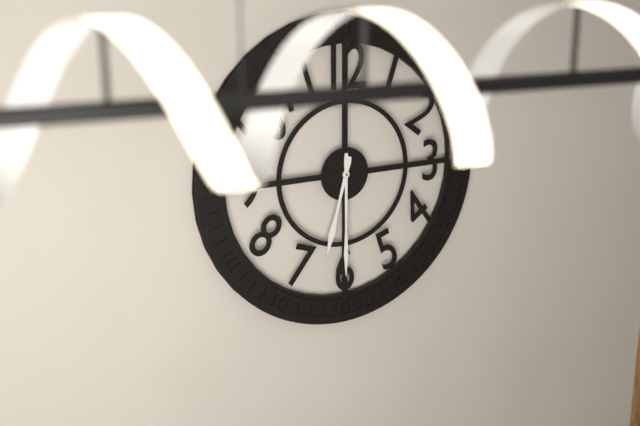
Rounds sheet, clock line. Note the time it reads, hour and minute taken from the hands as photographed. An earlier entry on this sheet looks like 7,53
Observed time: 6,30
